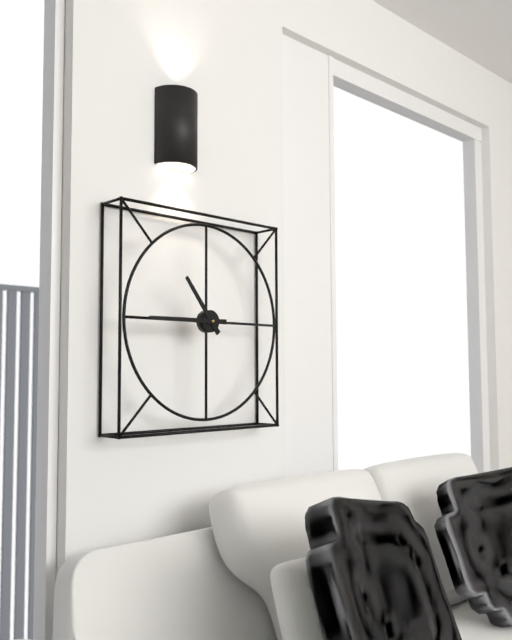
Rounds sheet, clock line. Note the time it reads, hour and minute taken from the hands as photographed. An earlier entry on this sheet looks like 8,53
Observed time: 10,45
